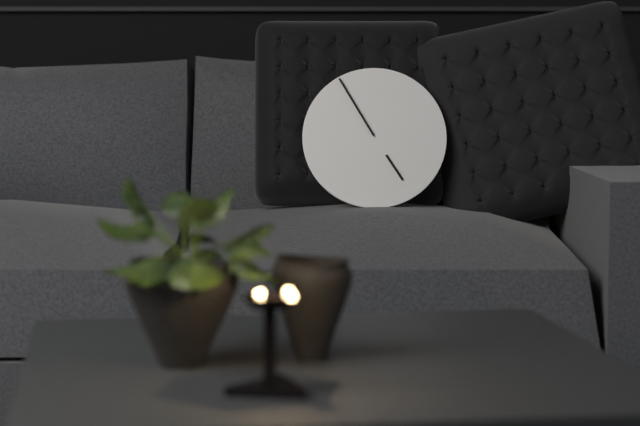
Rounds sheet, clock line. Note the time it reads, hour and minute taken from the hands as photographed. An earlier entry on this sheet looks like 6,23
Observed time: 4,55
